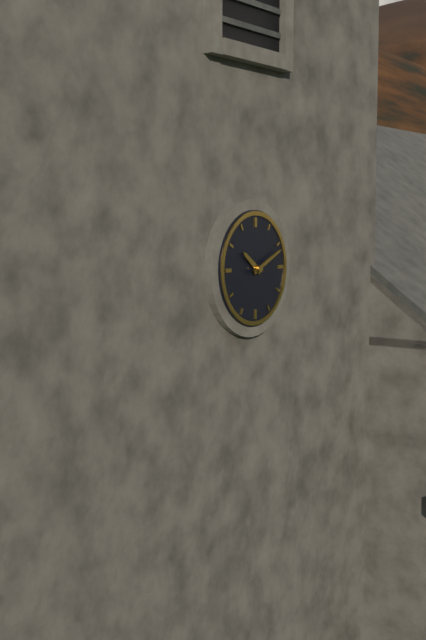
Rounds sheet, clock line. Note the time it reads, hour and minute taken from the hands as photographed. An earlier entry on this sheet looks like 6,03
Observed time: 10,11
